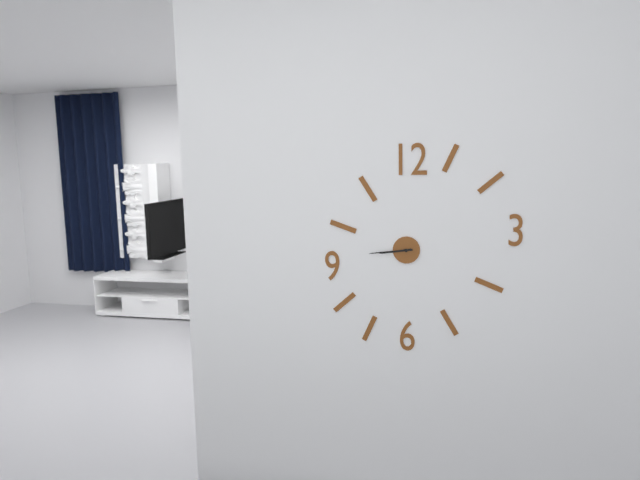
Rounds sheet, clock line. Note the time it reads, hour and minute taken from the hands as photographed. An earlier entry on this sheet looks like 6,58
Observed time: 8,44
